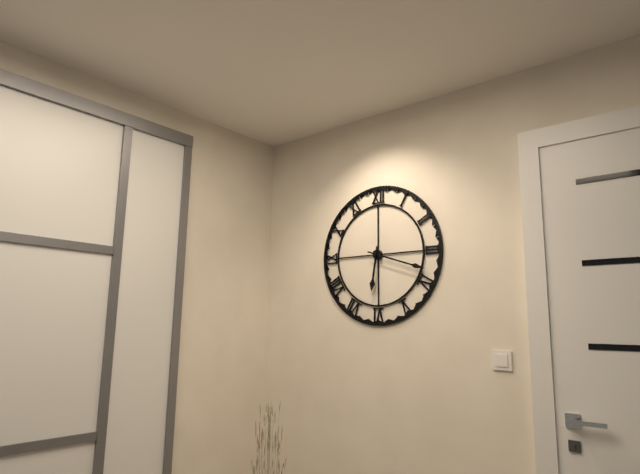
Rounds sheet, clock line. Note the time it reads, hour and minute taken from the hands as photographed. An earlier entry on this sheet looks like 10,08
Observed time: 6,18
